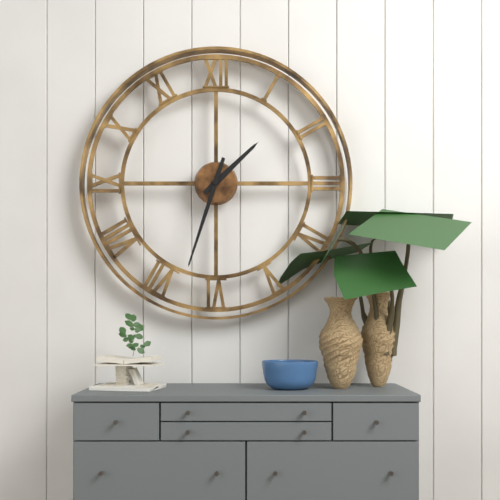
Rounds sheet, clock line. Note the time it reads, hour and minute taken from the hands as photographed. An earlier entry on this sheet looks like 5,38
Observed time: 1,33
